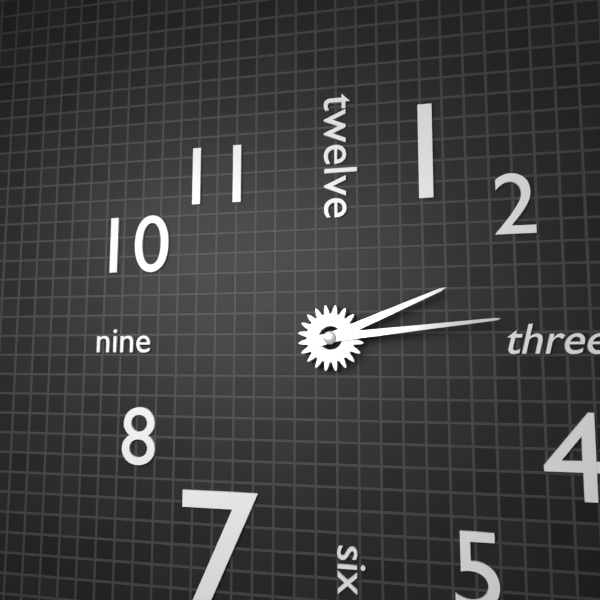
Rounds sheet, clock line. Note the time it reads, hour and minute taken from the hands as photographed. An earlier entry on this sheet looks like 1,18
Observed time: 2,14
